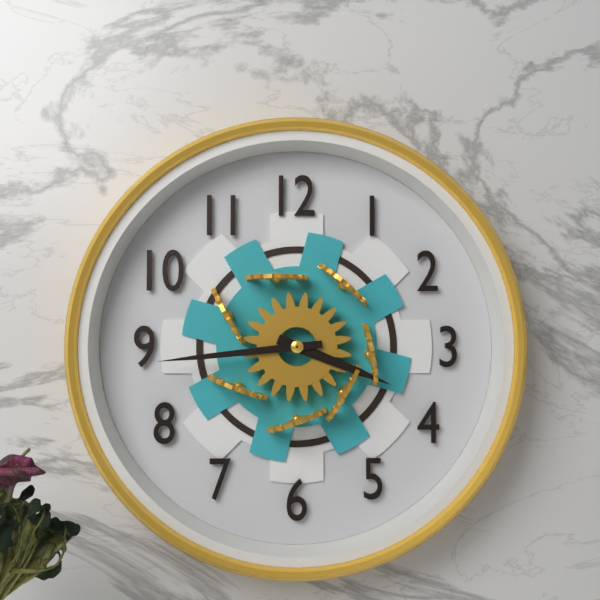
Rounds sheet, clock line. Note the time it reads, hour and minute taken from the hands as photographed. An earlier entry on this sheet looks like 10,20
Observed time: 3,44
